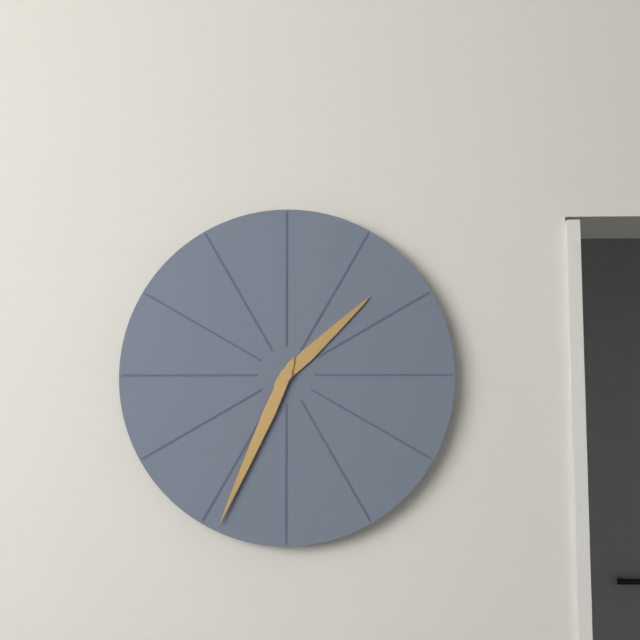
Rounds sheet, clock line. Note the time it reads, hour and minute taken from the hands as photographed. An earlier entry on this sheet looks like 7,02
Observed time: 1,34
